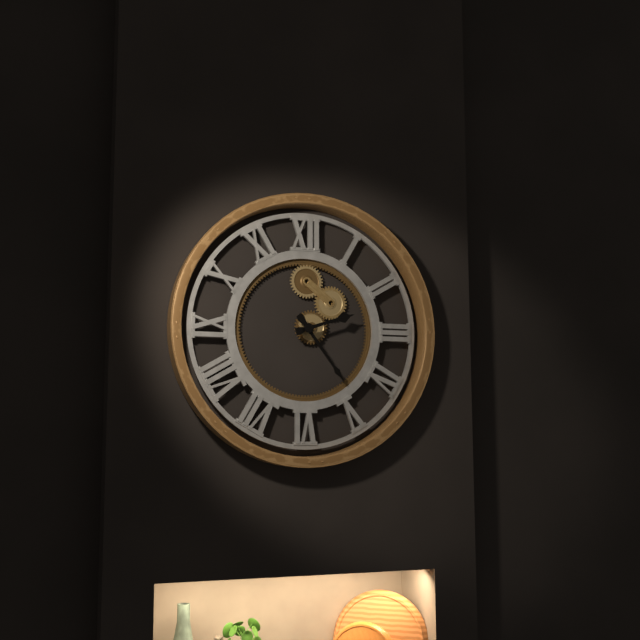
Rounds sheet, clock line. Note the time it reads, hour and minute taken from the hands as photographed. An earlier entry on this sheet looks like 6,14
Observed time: 2,24
